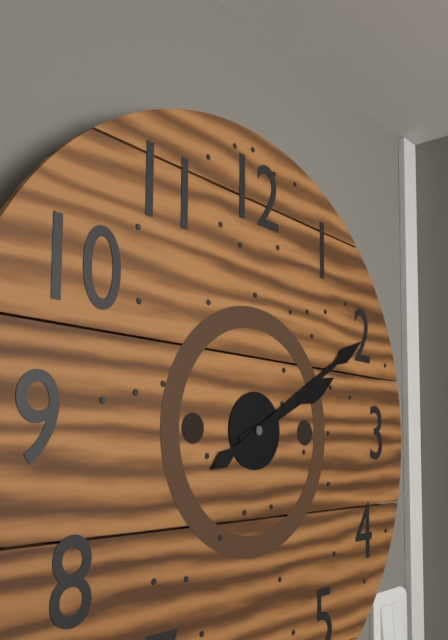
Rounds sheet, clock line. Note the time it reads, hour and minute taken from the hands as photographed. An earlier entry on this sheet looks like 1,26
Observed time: 2,10
